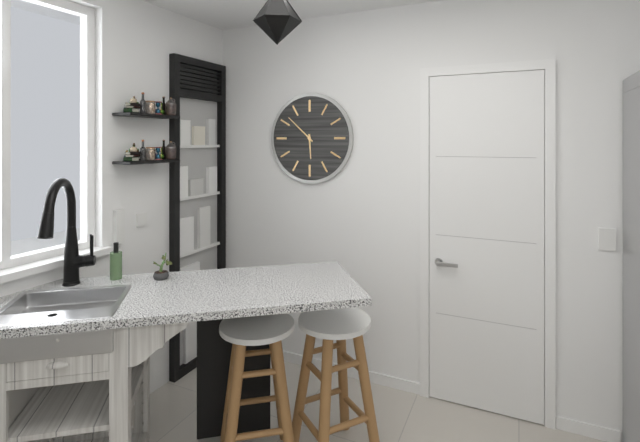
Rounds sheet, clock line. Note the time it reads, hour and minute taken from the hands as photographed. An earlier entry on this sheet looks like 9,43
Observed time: 5,52
